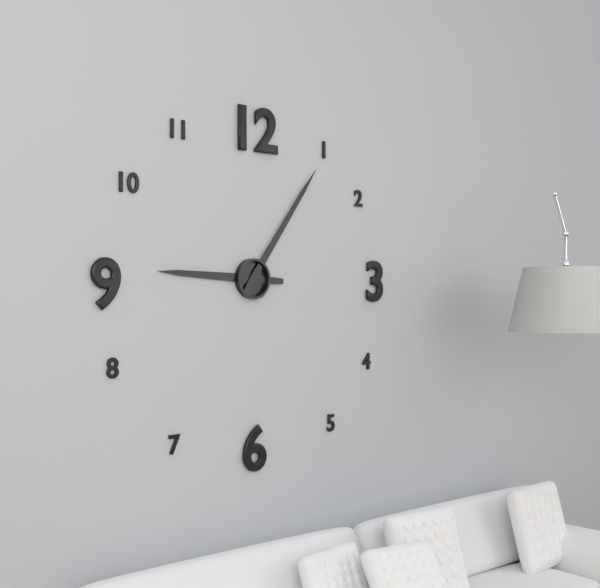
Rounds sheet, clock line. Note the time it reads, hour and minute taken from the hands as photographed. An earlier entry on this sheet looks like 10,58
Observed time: 9,06
